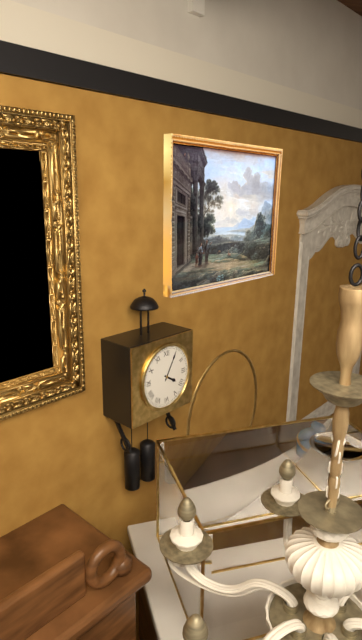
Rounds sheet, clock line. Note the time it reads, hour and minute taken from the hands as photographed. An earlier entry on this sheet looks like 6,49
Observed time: 4,05
